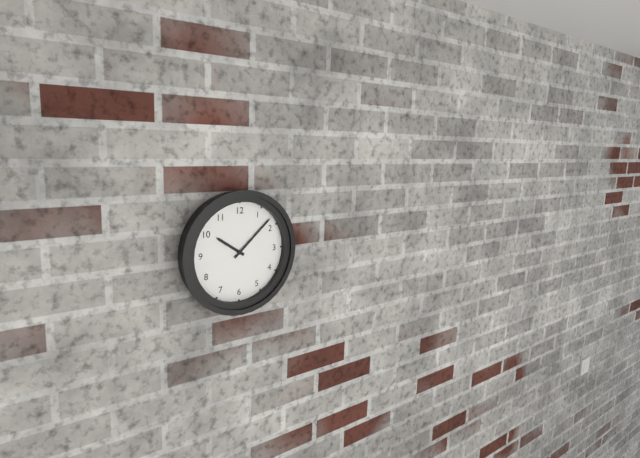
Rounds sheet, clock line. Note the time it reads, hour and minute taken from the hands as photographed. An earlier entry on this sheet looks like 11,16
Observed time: 10,08
